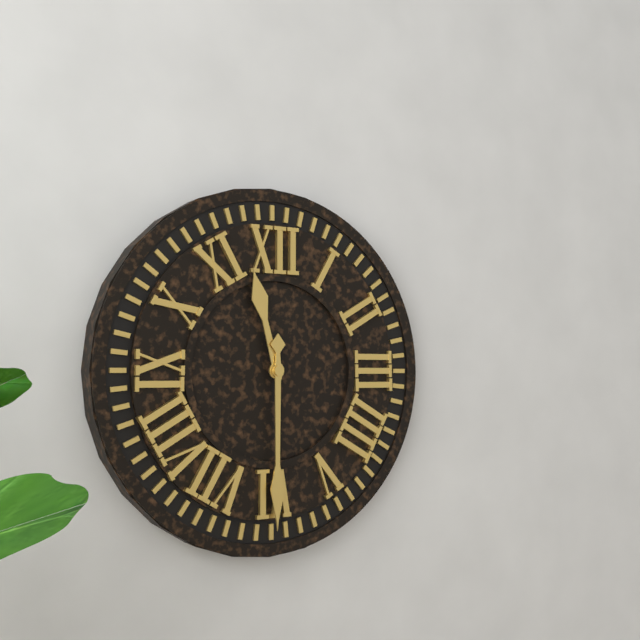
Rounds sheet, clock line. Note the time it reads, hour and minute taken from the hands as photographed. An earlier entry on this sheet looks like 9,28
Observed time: 11,30
